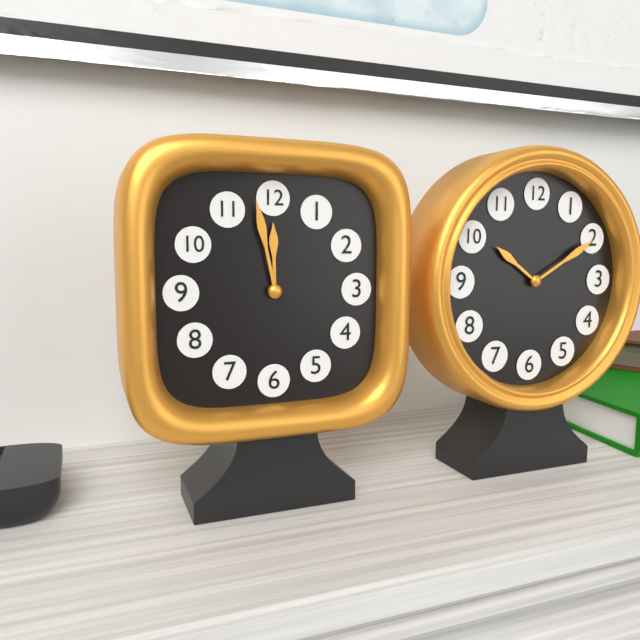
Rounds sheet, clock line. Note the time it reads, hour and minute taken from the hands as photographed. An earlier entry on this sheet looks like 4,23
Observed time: 11,58
